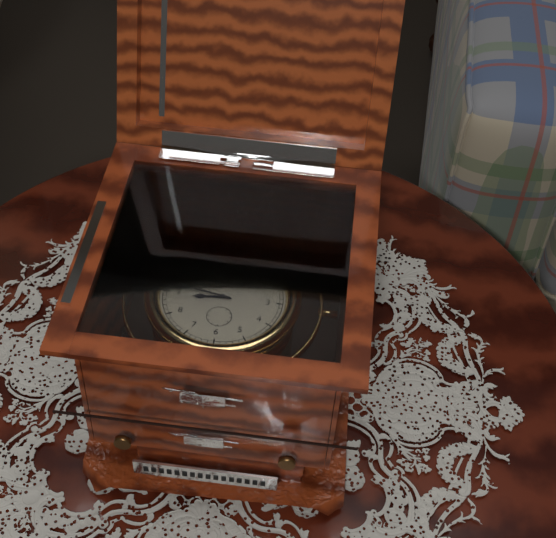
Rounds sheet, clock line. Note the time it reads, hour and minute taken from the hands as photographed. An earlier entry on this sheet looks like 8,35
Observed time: 8,47
